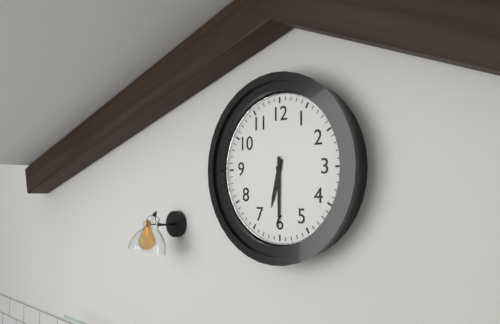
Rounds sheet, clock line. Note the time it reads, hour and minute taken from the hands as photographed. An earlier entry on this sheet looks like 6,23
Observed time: 6,30
